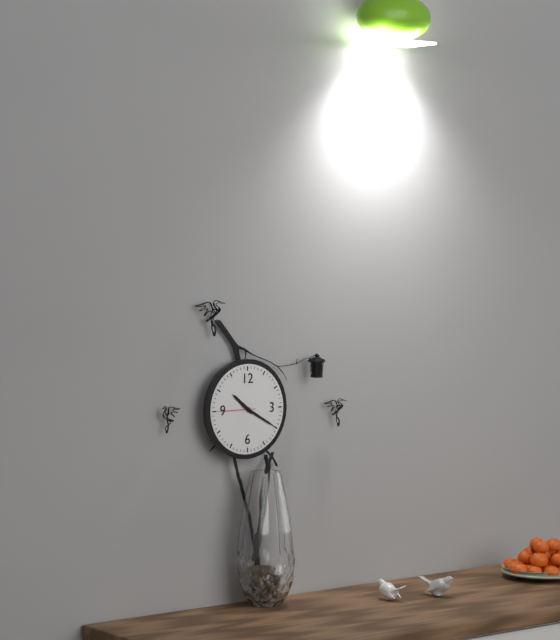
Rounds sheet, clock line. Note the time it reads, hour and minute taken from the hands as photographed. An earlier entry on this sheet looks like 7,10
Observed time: 10,20
